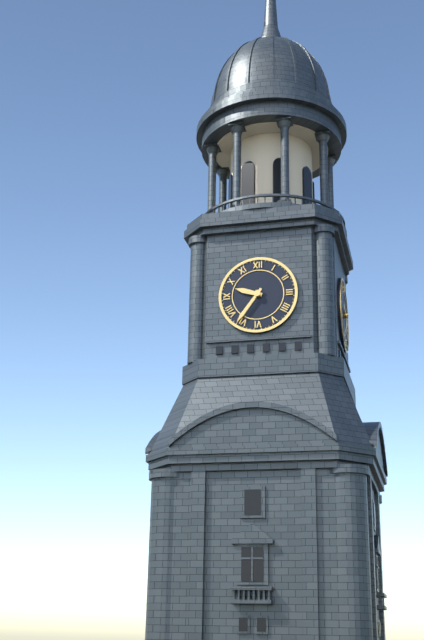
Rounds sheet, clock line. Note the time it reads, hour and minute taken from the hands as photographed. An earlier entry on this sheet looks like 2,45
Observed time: 9,36
